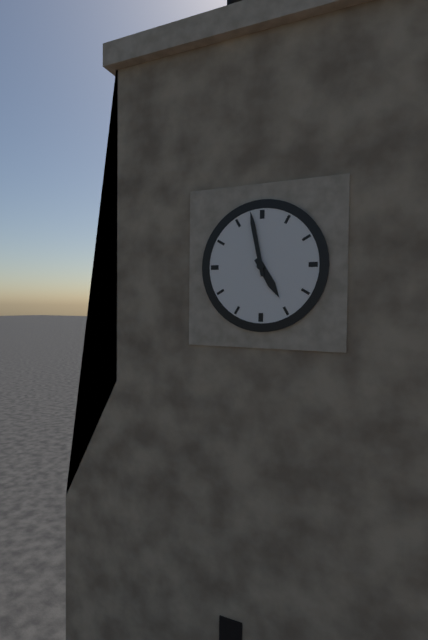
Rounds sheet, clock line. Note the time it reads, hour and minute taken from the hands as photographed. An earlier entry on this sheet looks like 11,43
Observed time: 4,58
